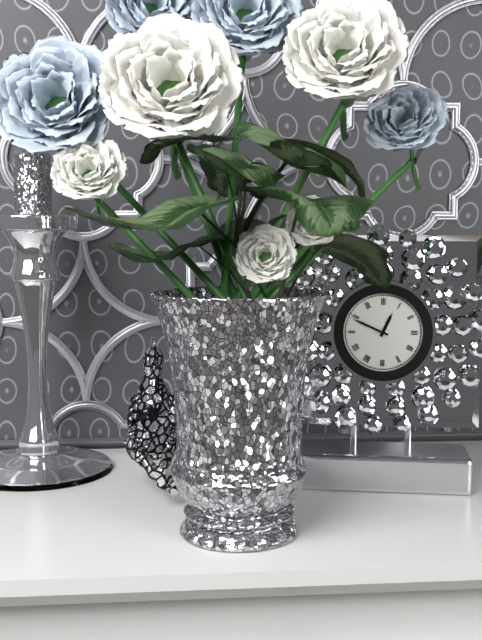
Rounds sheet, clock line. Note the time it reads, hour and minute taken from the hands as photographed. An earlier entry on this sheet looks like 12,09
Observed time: 12,49
